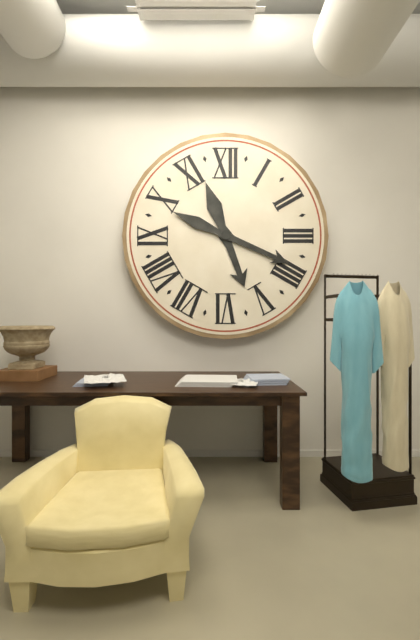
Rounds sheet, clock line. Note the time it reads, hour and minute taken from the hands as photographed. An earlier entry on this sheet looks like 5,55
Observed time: 5,19
